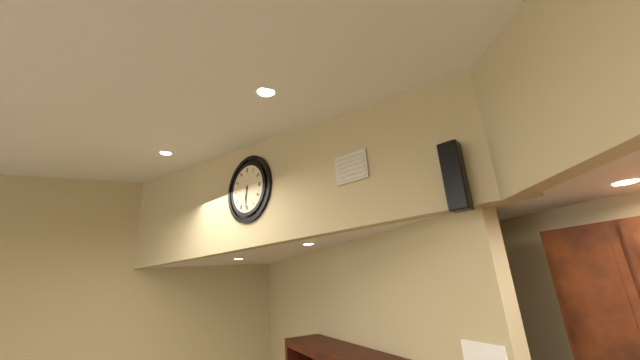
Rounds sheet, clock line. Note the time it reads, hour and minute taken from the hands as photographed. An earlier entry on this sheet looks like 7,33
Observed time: 6,31
